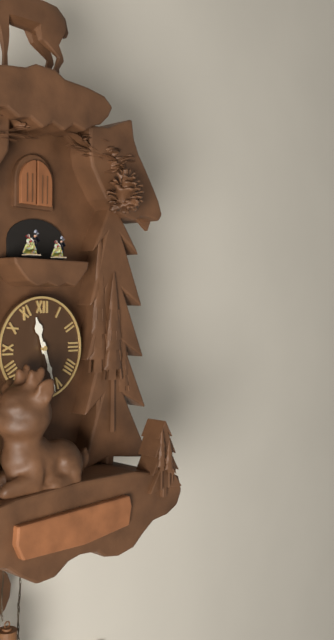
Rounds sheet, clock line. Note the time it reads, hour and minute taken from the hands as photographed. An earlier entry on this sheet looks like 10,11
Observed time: 11,27
